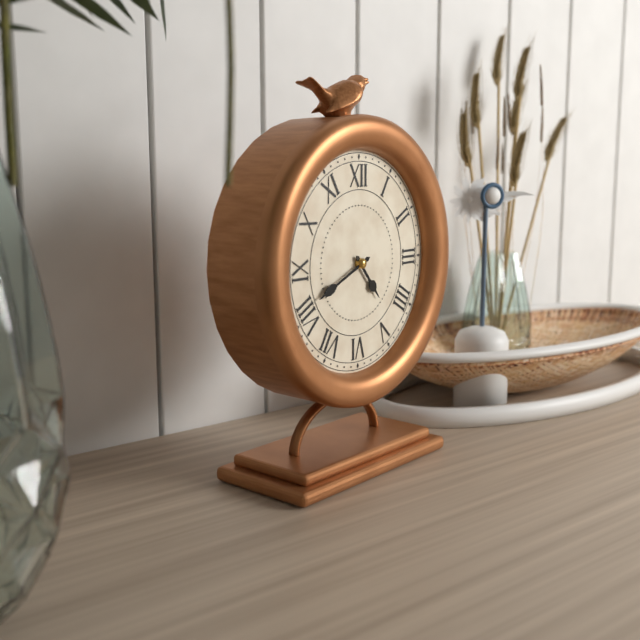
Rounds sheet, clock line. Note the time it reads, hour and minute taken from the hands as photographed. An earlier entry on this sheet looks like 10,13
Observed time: 4,41
